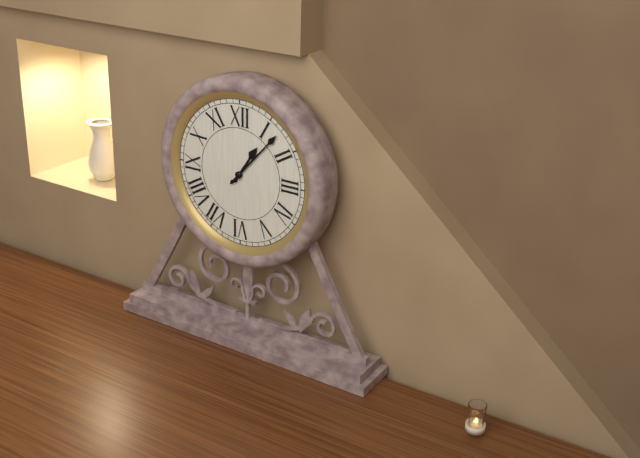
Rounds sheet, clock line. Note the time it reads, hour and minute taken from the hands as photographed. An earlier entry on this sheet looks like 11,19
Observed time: 1,07
